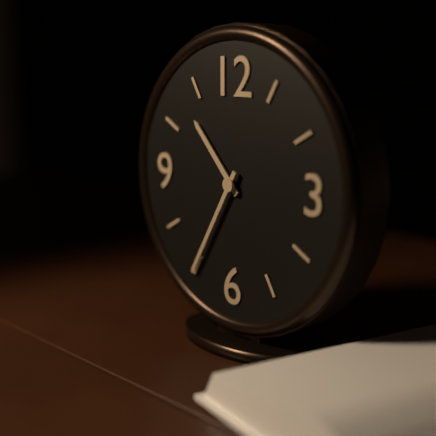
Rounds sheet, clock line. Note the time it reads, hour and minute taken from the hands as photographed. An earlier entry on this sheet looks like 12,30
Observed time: 10,35
